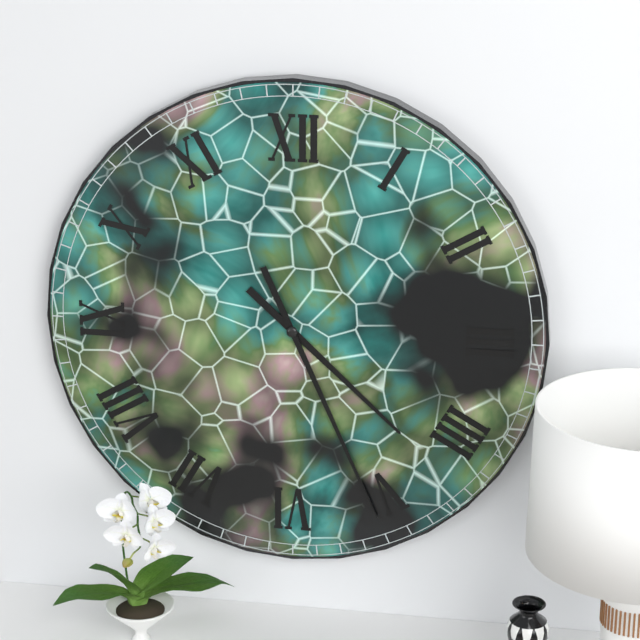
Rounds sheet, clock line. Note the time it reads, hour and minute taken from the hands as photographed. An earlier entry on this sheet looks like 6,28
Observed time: 4,26
